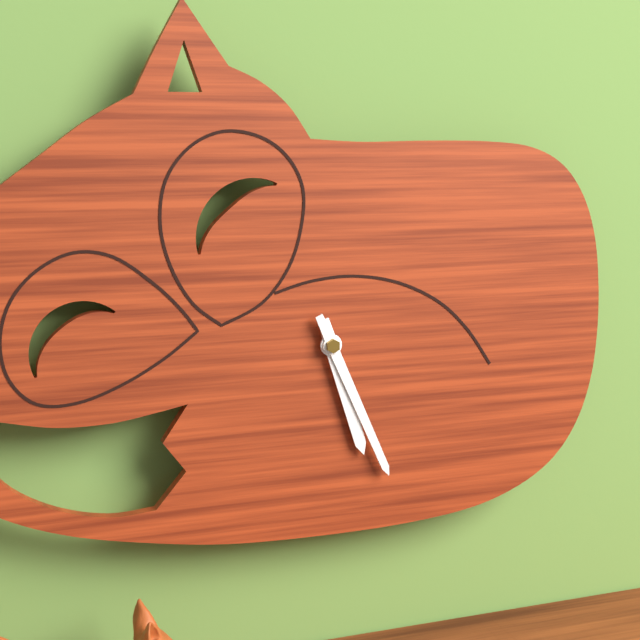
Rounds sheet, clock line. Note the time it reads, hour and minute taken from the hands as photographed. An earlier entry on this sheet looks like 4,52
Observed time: 5,26
